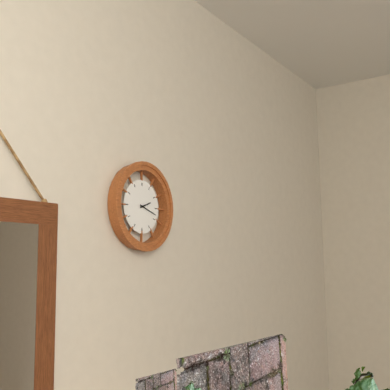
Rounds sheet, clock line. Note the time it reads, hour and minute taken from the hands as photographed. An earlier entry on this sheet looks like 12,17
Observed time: 2,18
